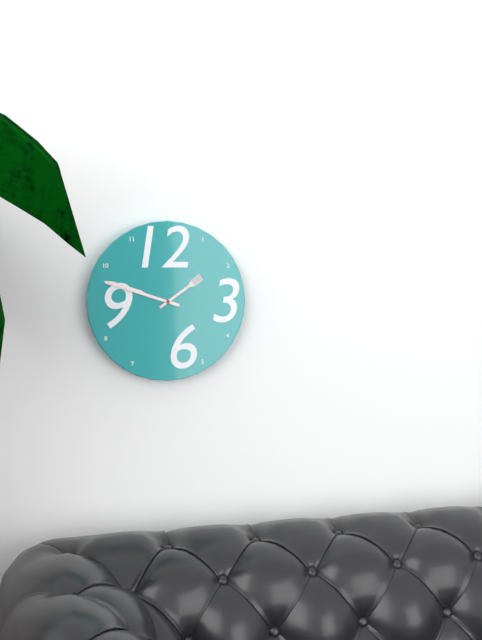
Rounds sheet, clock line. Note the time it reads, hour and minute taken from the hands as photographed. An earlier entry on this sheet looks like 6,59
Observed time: 1,48
